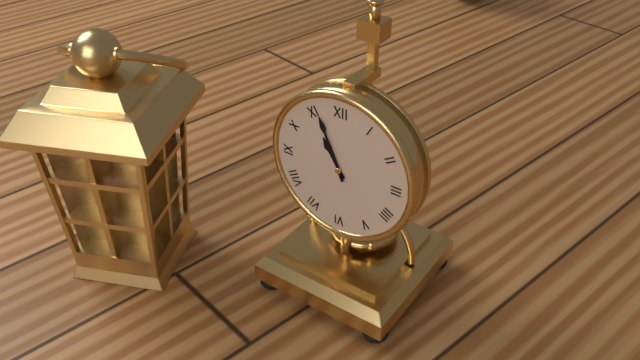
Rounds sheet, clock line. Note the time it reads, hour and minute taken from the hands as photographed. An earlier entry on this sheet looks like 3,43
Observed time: 10,56
